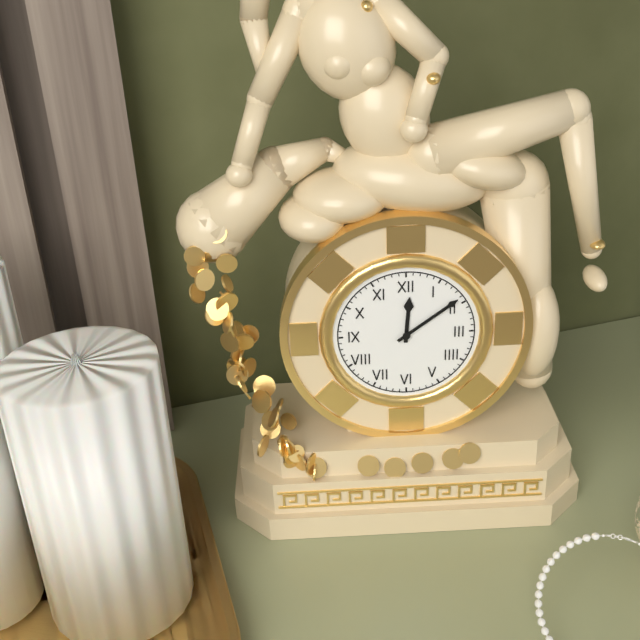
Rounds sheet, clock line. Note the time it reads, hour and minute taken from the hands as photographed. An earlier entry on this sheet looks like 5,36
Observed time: 12,09
